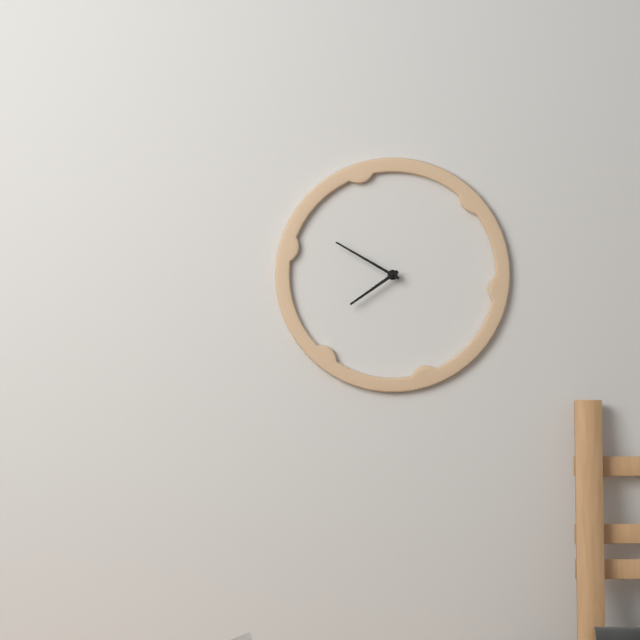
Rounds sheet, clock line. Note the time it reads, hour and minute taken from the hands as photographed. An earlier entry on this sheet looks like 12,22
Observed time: 7,50
